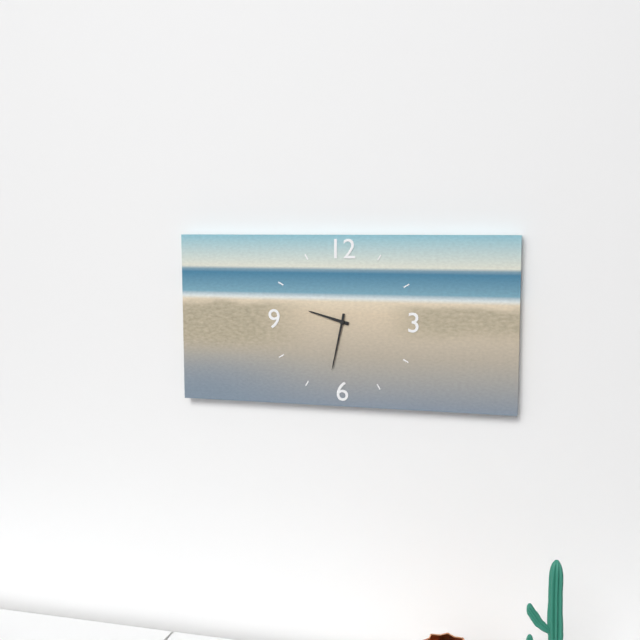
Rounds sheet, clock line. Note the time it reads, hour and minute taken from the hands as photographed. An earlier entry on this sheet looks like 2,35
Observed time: 9,32
